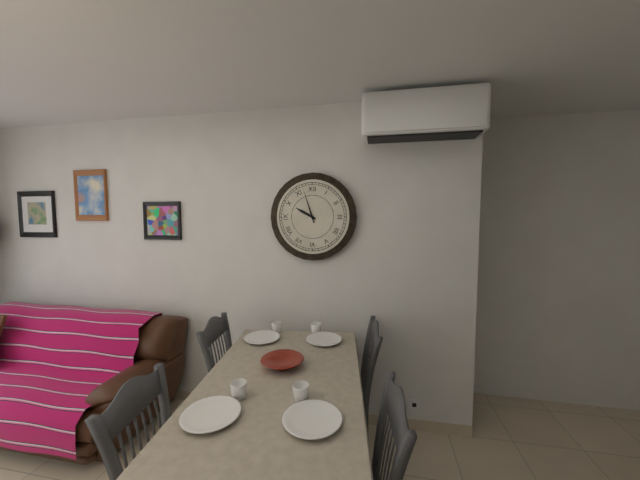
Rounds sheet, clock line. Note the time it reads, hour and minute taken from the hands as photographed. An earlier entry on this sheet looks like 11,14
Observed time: 9,57
